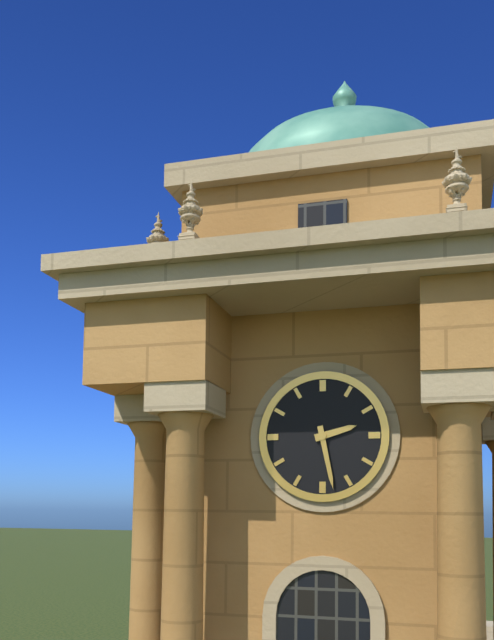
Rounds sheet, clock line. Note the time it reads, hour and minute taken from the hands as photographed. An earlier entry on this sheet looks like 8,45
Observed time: 2,28
